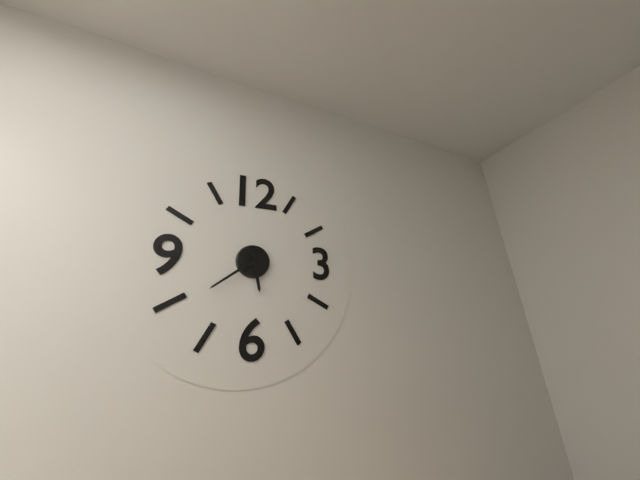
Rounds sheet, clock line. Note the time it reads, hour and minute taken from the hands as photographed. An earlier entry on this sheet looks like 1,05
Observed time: 5,39
